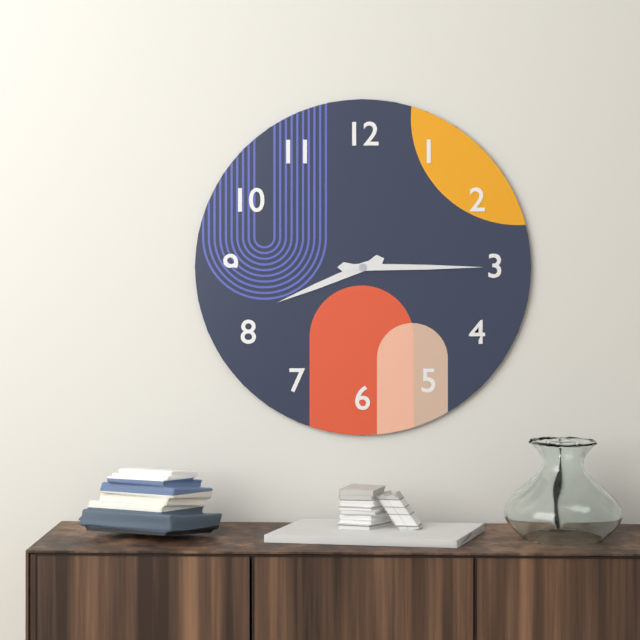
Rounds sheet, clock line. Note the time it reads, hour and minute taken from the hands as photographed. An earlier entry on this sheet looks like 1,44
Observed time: 8,15
